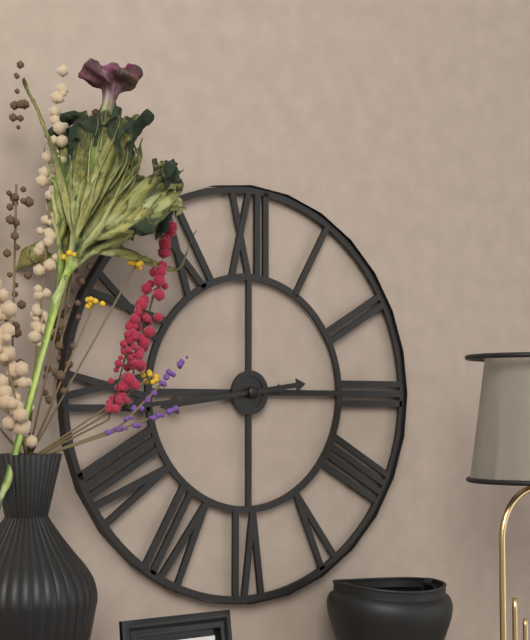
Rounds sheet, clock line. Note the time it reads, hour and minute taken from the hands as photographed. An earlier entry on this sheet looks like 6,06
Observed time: 8,44
